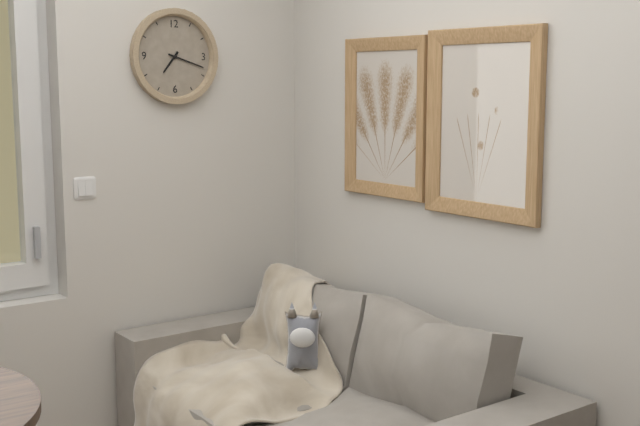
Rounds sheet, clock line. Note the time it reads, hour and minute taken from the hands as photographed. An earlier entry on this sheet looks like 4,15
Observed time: 7,18
